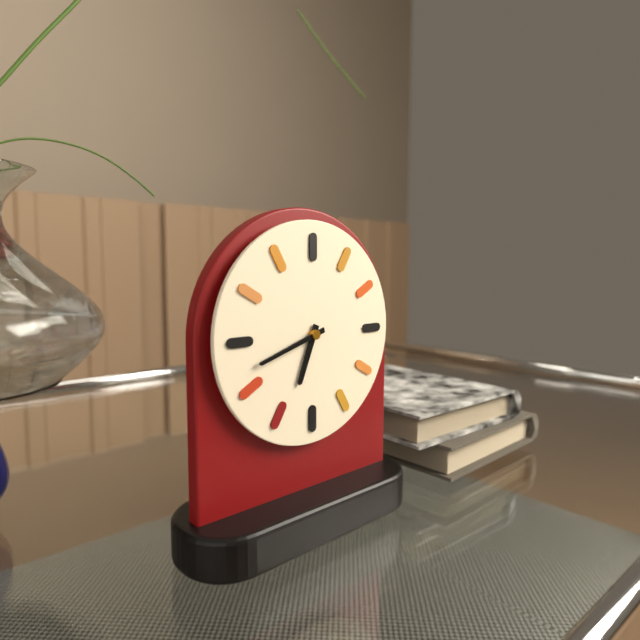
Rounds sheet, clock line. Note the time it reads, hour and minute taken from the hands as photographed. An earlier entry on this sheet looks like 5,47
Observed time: 6,42
